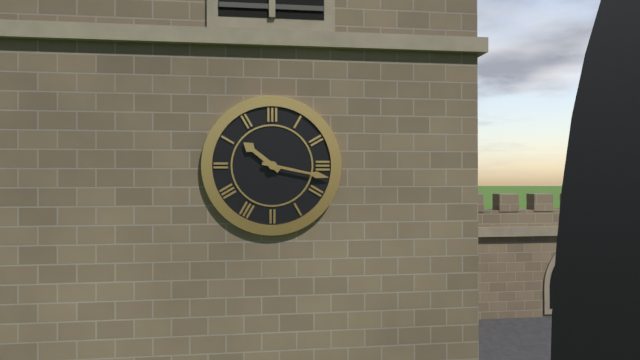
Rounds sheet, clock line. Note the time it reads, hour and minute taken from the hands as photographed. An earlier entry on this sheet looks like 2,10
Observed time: 10,17
